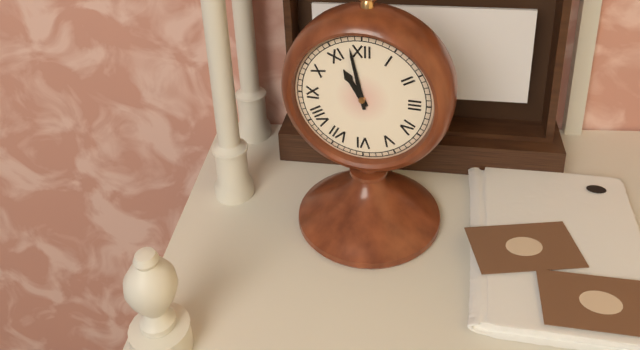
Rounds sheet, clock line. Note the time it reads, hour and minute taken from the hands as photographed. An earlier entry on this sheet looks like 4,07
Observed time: 10,58
